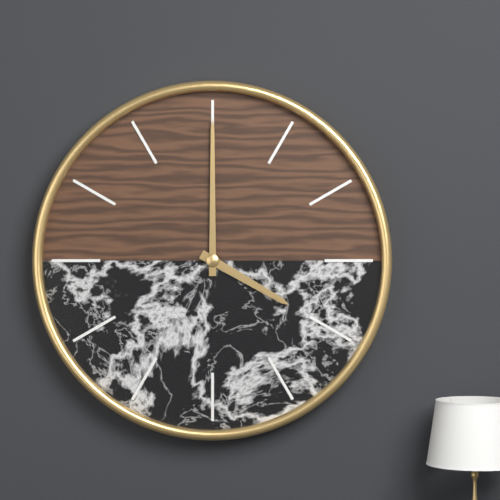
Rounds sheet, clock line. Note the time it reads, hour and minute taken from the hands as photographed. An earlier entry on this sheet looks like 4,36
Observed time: 4,00
